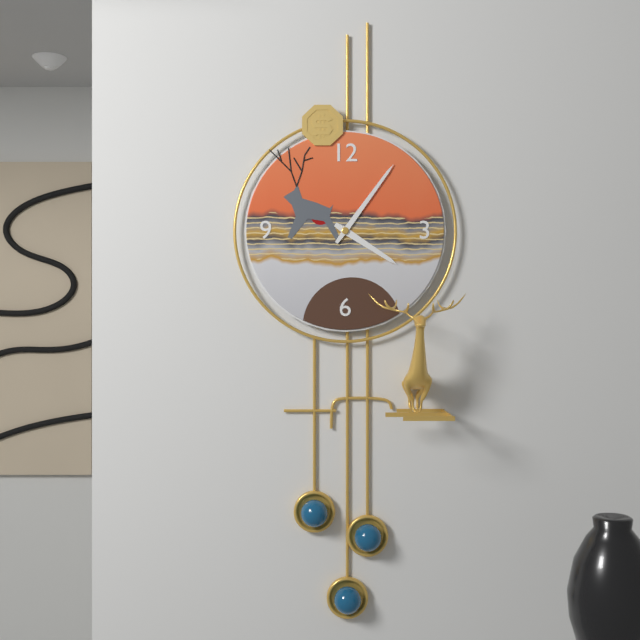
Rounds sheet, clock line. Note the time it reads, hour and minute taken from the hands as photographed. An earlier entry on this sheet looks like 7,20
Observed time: 4,06
